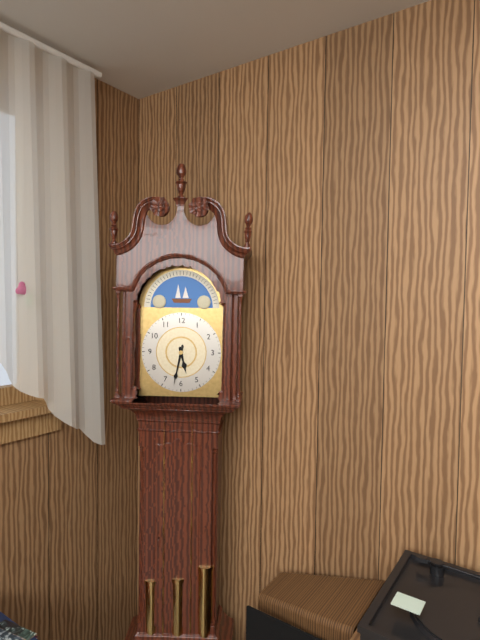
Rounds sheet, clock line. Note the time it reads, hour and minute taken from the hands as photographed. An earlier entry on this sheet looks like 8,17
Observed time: 5,32
